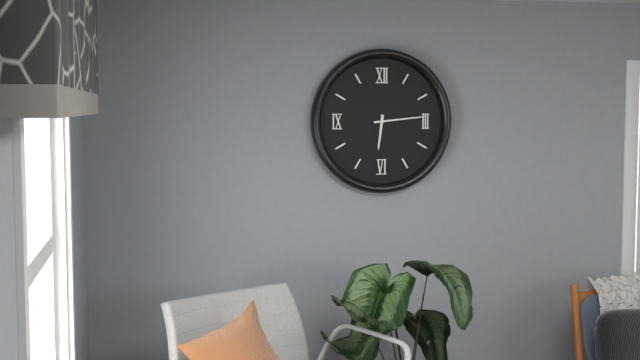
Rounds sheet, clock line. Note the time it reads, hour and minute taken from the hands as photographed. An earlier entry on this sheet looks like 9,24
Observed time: 6,14
